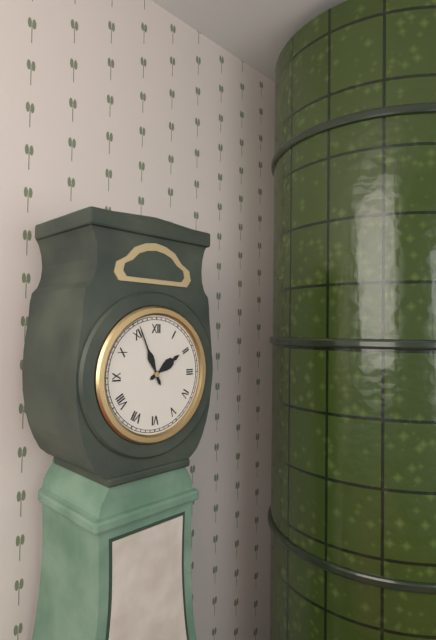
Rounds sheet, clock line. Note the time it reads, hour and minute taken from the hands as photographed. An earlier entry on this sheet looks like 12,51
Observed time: 1,56
